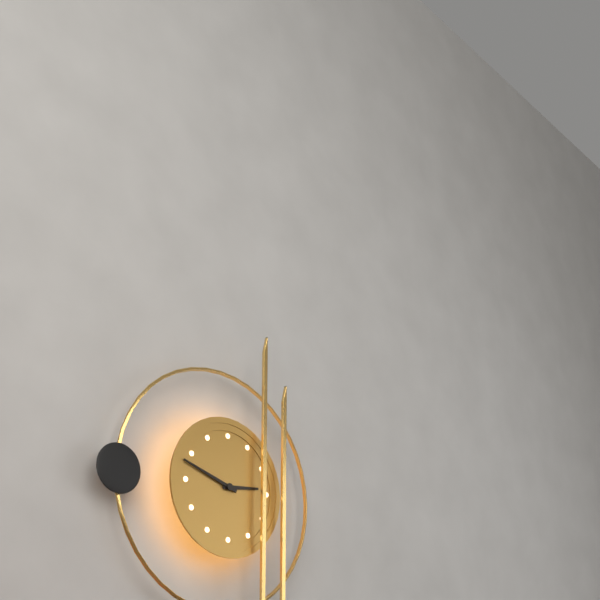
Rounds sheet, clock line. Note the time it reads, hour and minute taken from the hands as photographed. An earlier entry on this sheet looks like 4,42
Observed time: 2,48
